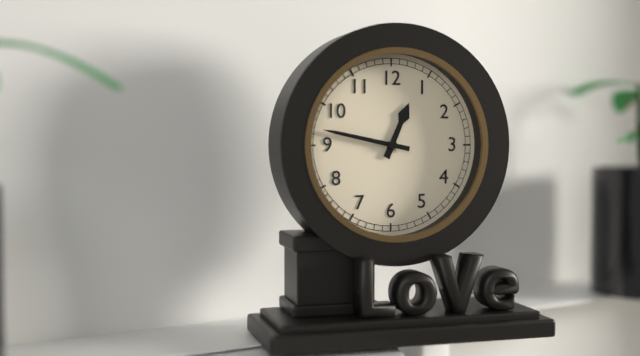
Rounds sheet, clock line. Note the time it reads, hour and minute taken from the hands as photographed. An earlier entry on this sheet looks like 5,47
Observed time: 12,47
